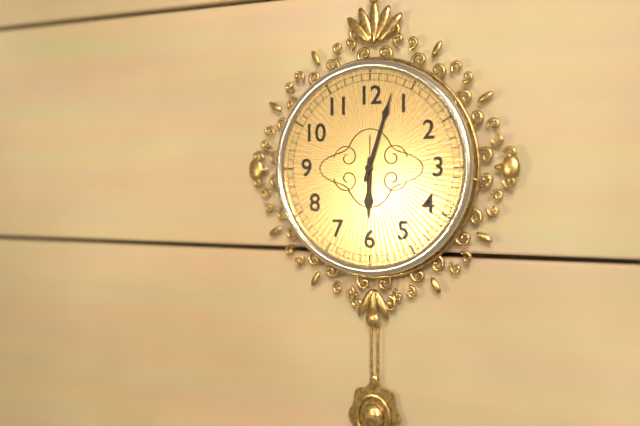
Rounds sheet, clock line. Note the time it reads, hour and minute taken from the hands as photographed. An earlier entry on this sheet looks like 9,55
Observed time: 6,03
